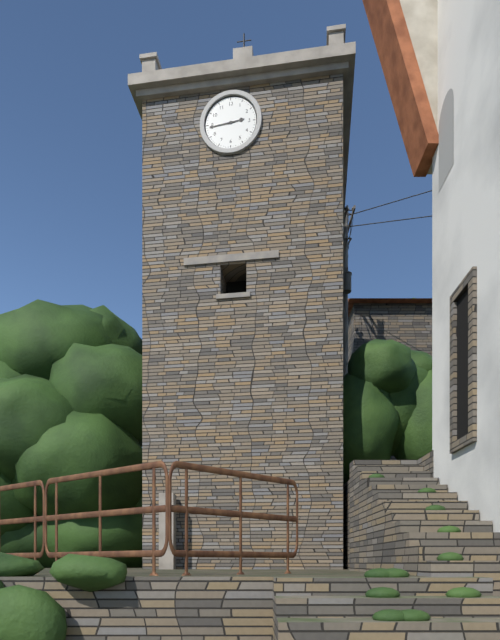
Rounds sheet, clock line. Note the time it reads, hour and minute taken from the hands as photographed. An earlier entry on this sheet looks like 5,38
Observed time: 2,44
